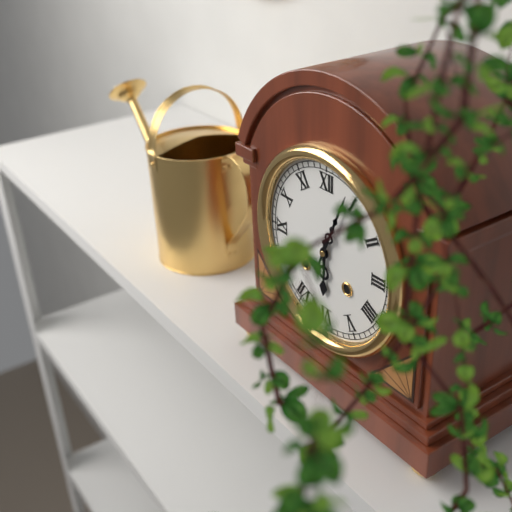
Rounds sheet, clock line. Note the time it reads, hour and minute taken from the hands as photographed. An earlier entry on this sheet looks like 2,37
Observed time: 6,04
